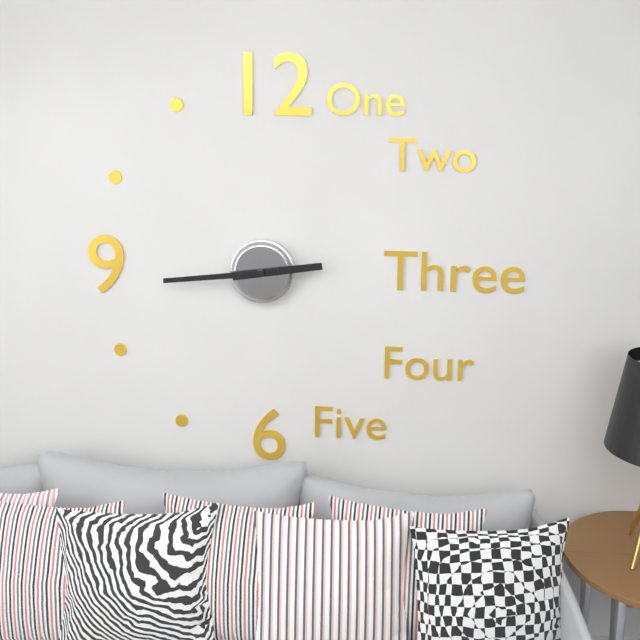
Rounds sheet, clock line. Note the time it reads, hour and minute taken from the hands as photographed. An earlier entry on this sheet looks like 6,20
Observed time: 2,44
